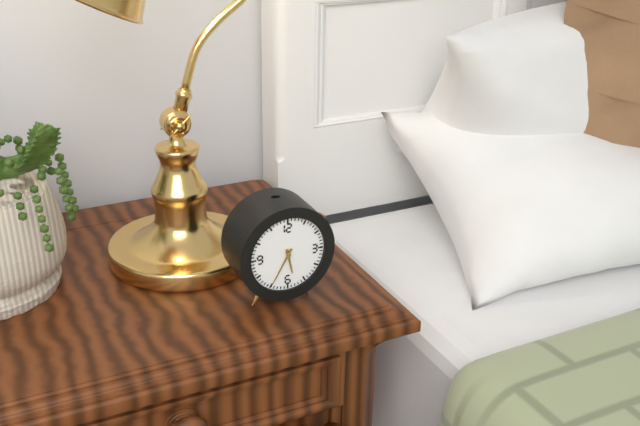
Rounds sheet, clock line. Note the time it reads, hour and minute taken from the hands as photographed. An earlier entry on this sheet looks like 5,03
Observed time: 5,35
